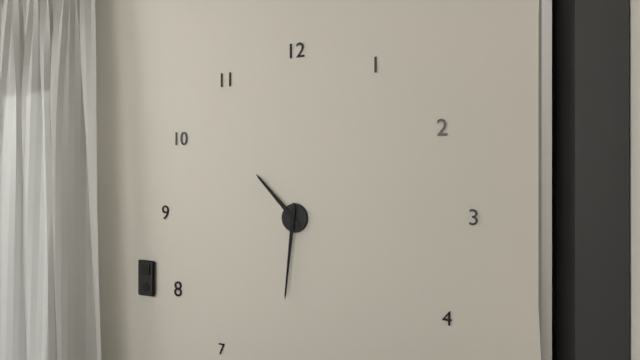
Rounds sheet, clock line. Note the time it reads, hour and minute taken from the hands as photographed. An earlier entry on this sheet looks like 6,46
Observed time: 10,31
